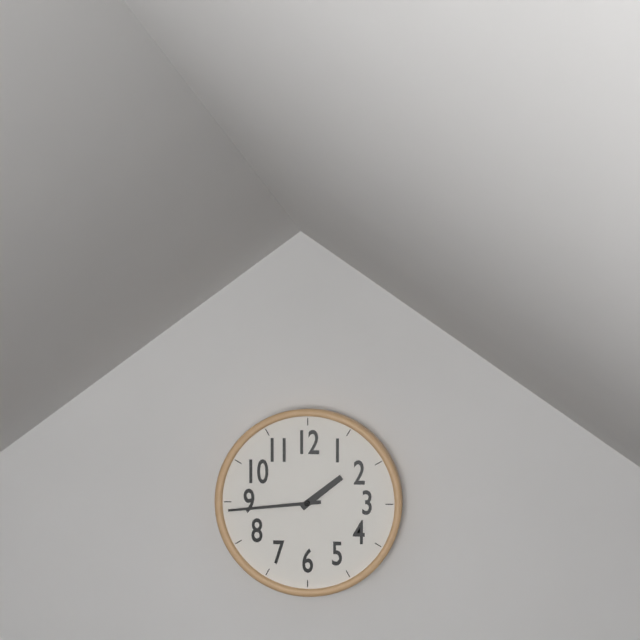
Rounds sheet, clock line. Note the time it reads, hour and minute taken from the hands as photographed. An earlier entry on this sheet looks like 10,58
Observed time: 1,44
